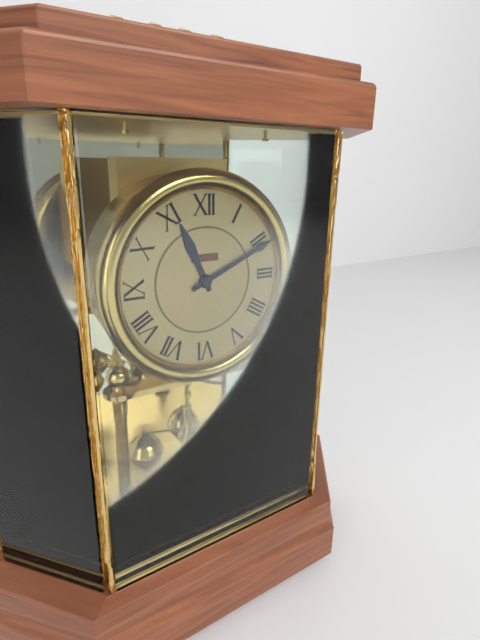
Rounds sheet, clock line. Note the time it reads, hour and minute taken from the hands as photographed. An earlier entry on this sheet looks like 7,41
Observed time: 11,11
